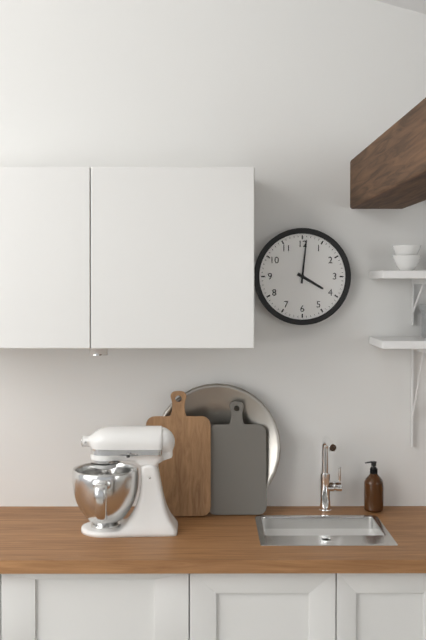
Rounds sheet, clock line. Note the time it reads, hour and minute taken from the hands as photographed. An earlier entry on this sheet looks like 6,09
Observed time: 4,01
